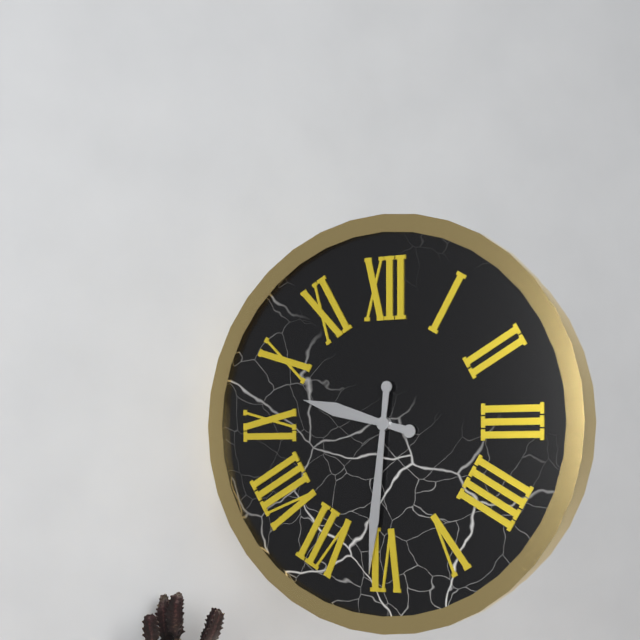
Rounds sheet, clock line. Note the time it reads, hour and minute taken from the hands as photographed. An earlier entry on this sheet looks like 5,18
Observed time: 9,31
